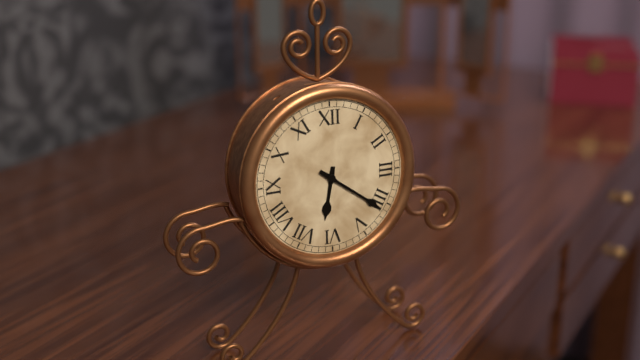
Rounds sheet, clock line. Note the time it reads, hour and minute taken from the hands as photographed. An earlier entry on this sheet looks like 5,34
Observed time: 6,21
